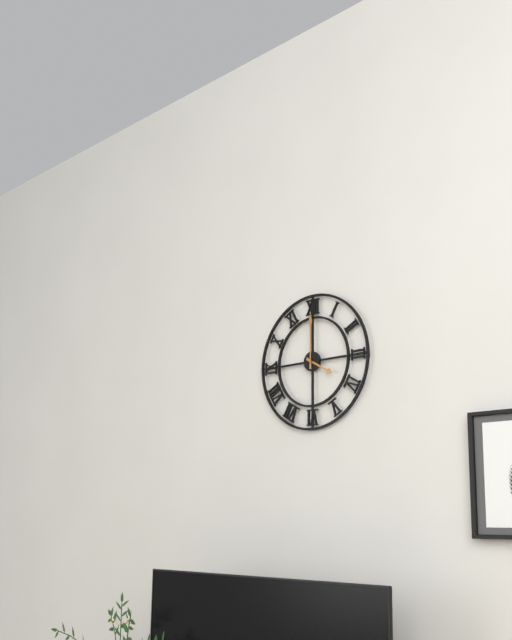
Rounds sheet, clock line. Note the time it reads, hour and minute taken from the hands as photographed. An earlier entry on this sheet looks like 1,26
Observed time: 4,00
